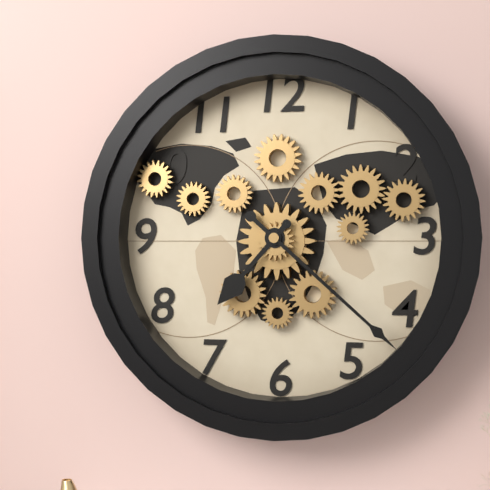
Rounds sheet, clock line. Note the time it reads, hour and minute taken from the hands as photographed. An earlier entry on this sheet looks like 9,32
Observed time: 7,22
